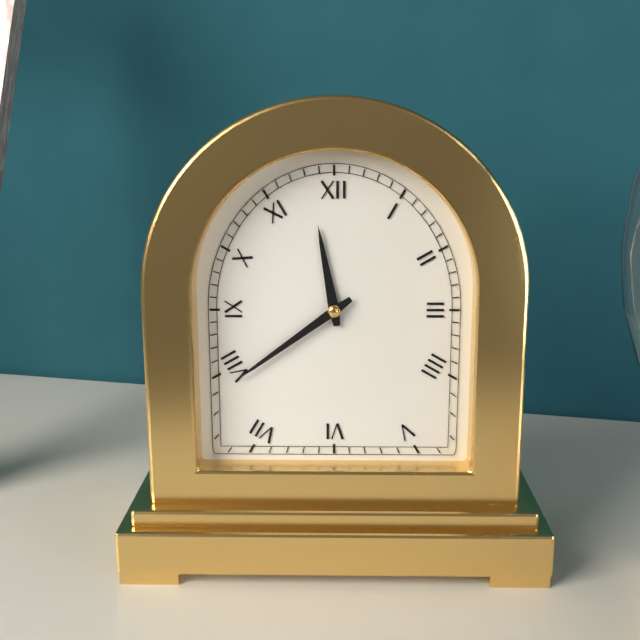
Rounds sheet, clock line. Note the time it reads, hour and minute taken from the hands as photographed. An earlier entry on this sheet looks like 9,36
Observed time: 11,39
